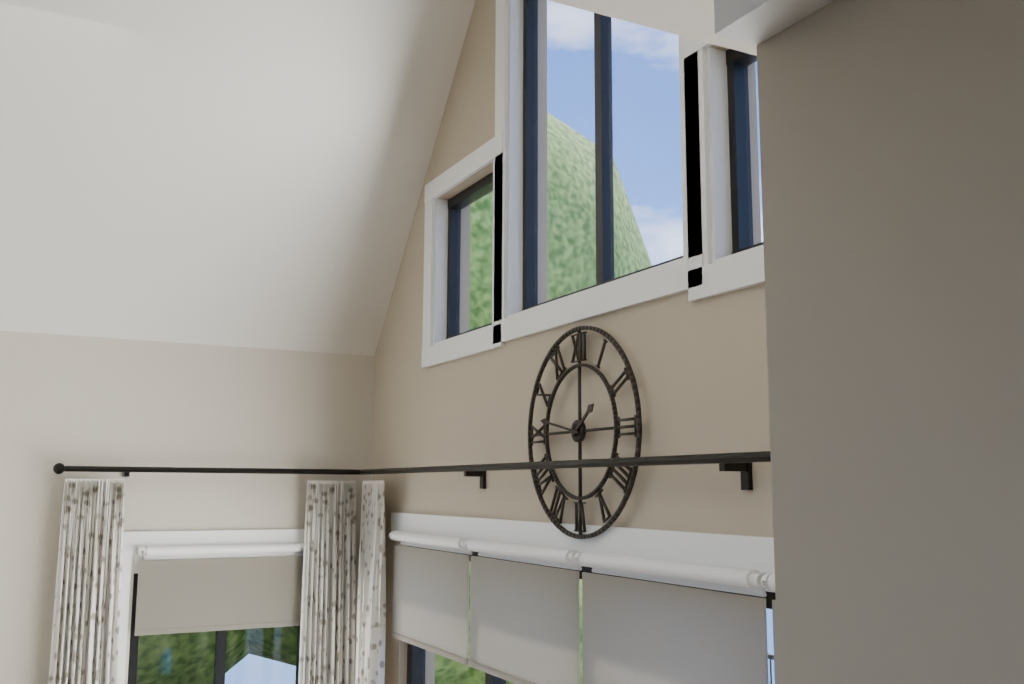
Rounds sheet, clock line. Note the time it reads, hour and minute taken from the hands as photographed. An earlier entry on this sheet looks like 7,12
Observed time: 1,47
